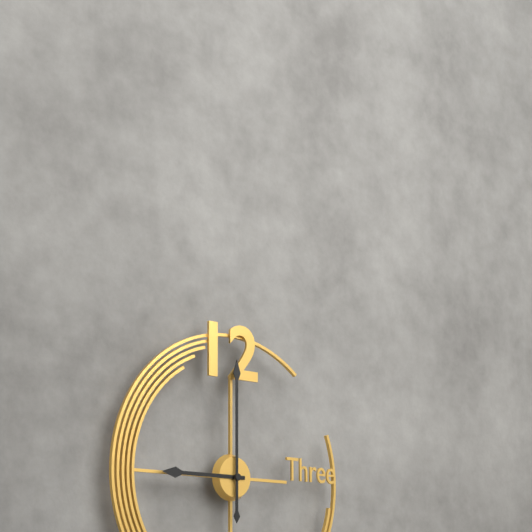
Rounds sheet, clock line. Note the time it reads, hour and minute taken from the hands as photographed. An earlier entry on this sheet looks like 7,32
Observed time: 9,00
